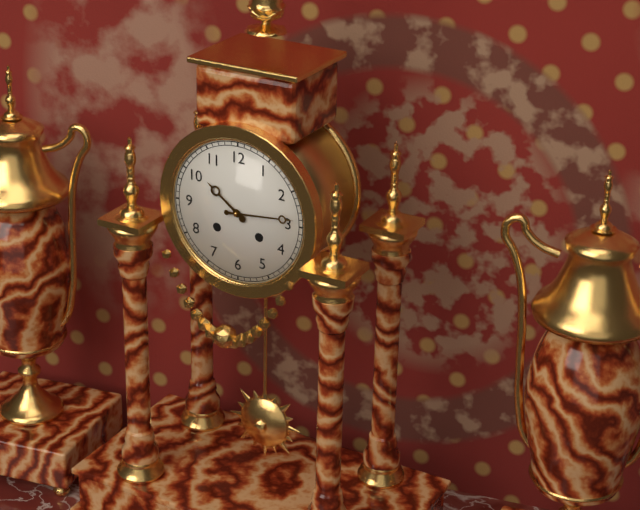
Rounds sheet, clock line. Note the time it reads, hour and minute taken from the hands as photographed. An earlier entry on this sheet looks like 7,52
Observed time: 10,14
